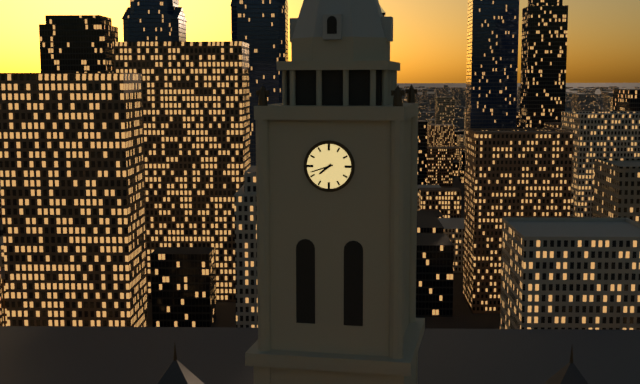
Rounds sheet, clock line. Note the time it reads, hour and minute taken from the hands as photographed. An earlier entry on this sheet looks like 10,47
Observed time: 7,42
